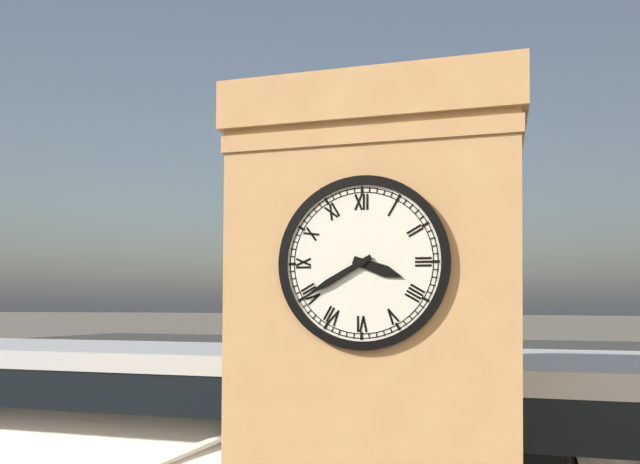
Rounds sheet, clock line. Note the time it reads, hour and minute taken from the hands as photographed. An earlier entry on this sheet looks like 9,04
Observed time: 3,40
